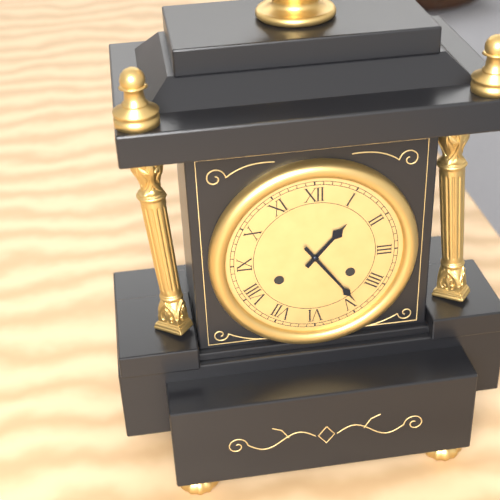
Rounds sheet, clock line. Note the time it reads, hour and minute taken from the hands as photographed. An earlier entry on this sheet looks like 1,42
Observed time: 1,24
